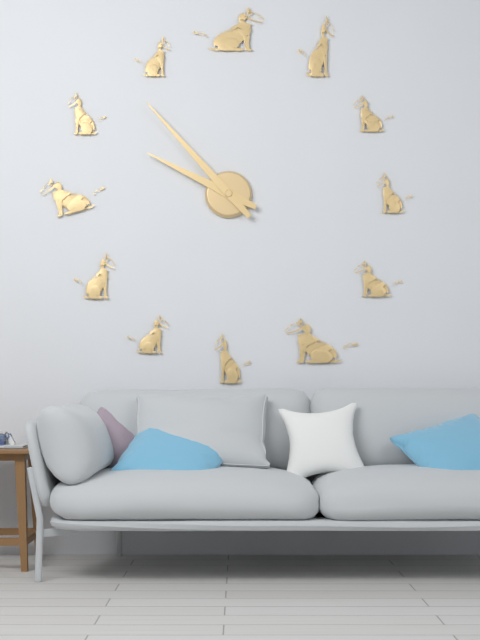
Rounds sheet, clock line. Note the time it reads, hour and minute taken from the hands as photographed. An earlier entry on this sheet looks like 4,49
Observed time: 9,53
